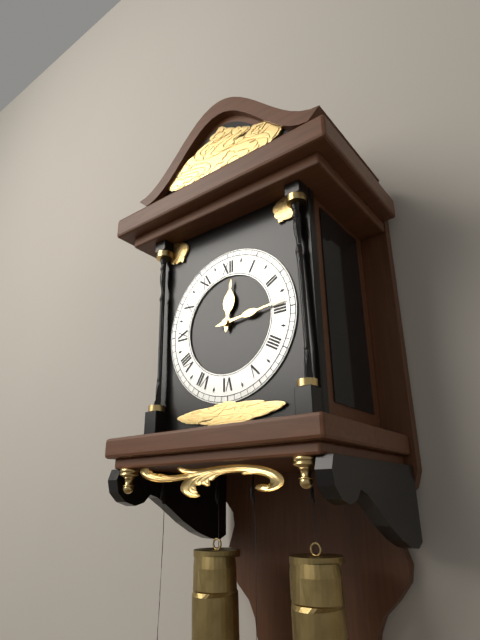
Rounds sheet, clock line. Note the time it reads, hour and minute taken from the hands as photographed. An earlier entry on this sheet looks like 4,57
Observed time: 12,14
